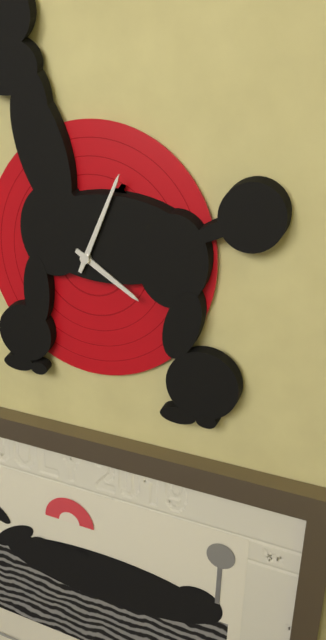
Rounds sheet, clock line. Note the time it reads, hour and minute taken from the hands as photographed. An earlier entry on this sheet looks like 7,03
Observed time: 4,04
